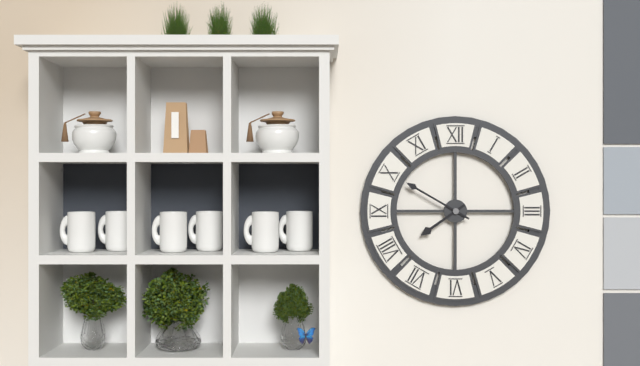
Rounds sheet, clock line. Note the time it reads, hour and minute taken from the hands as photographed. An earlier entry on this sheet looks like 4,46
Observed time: 7,50
